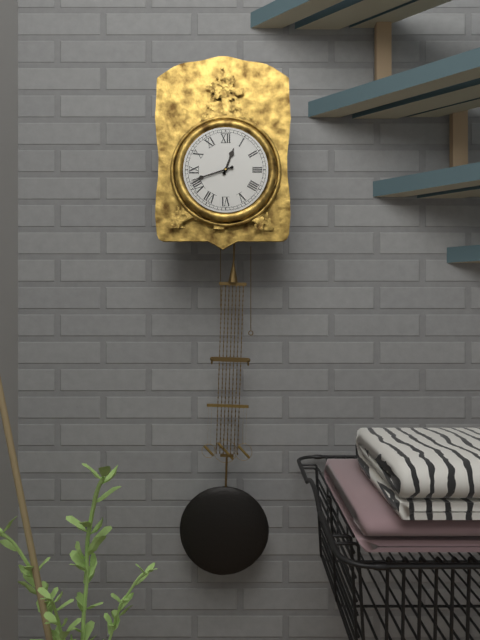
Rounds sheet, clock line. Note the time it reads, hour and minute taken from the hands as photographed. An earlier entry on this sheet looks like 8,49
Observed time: 12,42
